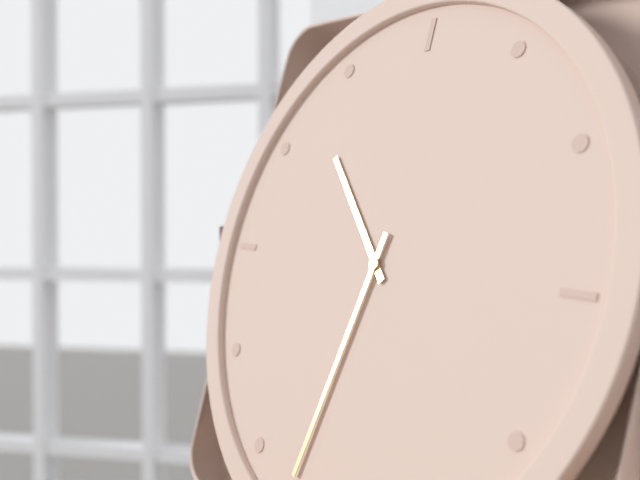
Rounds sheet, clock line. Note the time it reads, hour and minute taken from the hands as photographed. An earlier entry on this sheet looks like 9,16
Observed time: 10,32
